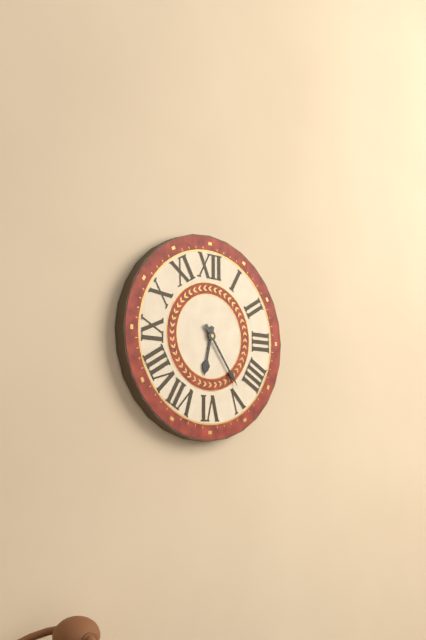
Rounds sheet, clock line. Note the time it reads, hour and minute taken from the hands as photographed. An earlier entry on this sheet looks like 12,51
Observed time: 6,24
